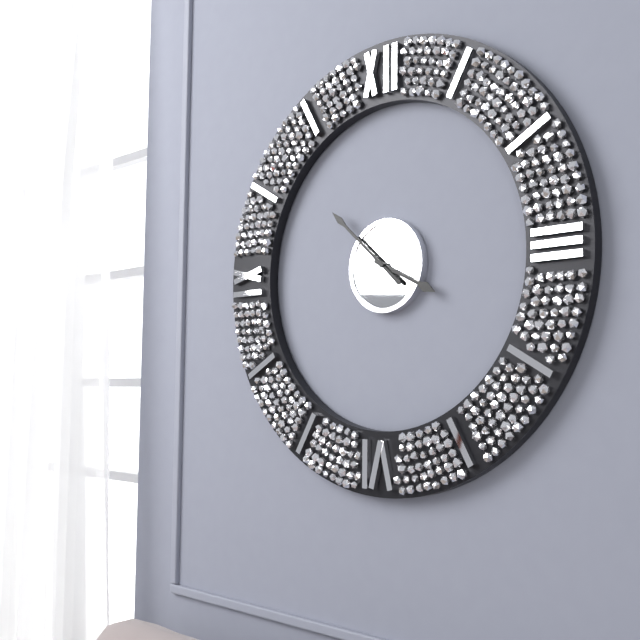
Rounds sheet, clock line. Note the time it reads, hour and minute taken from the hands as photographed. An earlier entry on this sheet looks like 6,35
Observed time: 3,52
